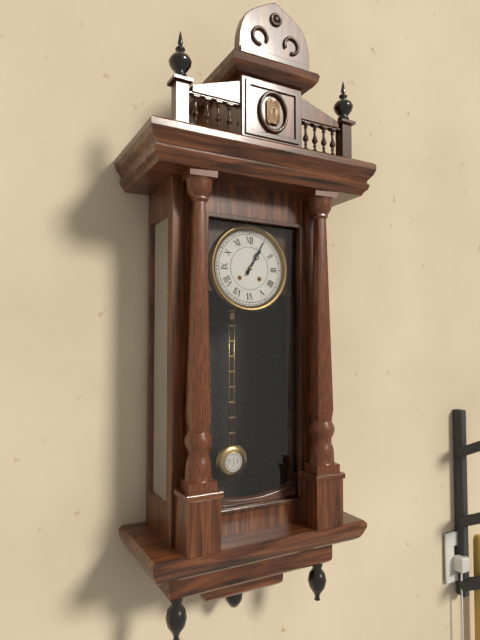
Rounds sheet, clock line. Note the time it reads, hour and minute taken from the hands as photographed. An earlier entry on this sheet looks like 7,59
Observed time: 1,05
